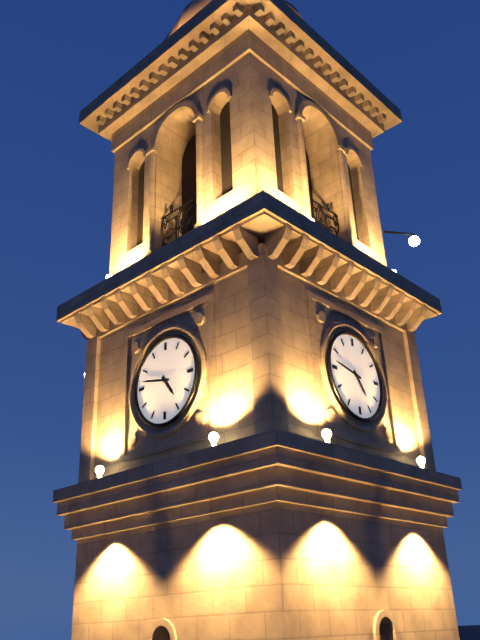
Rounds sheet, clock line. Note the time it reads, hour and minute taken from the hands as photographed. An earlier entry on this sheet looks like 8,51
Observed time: 4,47
